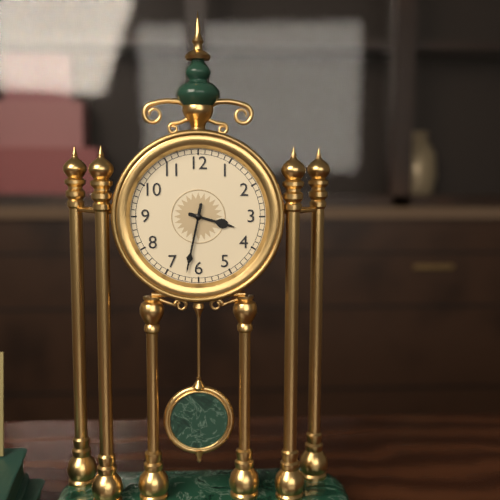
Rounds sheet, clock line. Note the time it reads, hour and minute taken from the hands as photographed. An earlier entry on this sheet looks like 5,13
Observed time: 3,32
